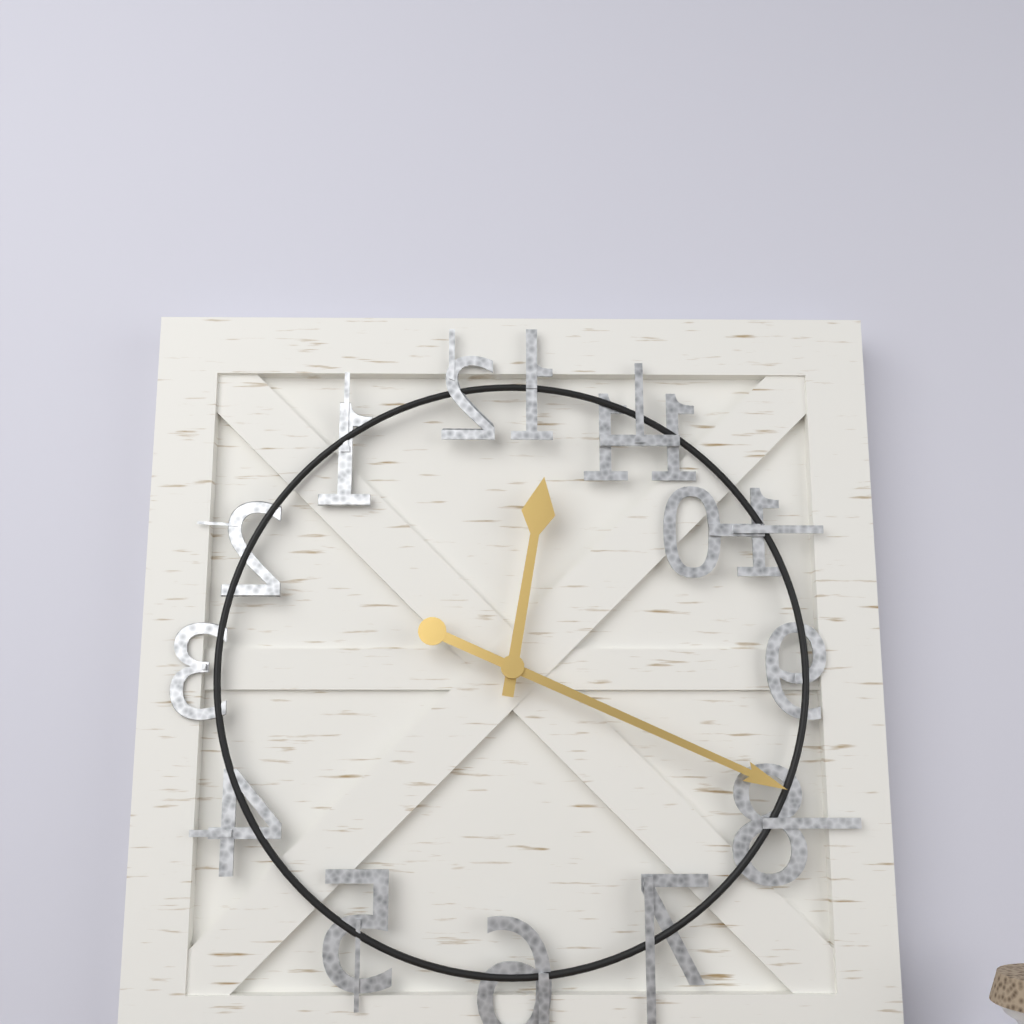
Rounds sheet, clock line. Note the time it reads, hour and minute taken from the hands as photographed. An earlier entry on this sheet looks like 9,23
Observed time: 12,19
